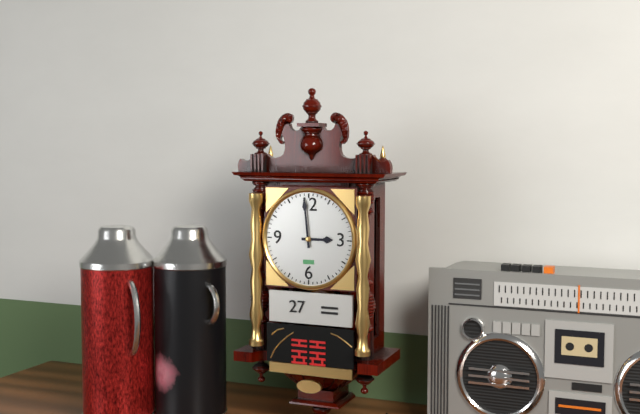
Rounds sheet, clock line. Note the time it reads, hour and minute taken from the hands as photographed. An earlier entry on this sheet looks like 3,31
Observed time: 2,59
